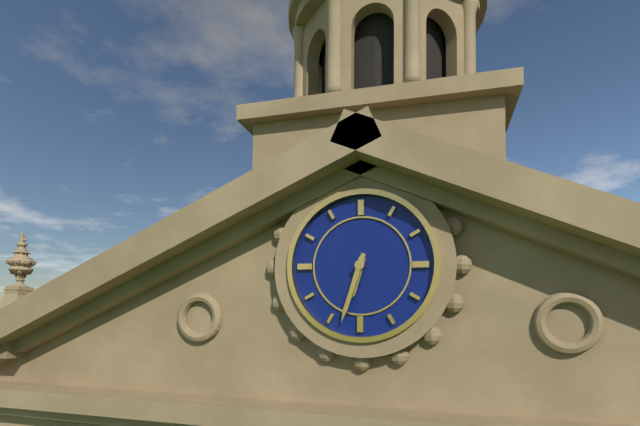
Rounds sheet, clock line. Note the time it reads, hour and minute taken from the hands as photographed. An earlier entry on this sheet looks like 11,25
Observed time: 6,33
